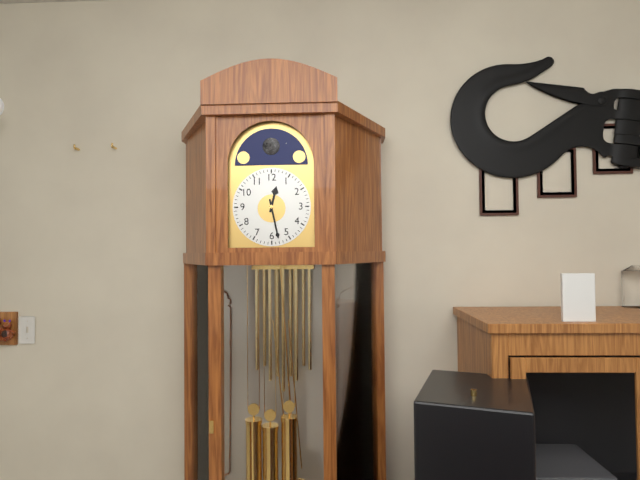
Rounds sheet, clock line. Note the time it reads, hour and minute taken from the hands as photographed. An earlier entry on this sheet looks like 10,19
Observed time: 12,28
